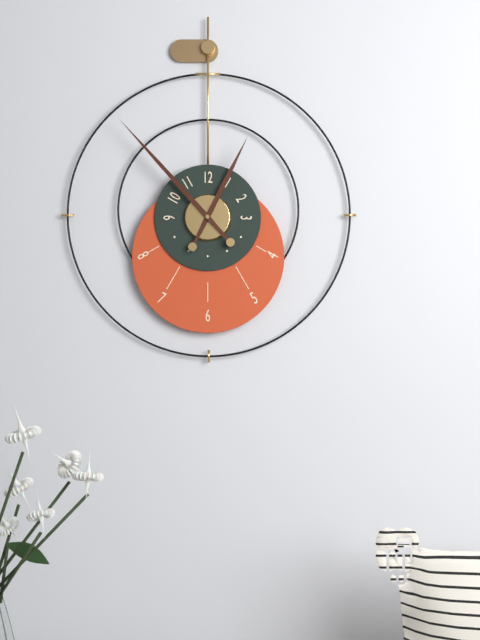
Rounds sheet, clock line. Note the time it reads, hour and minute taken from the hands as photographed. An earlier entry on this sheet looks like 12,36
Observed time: 12,53
